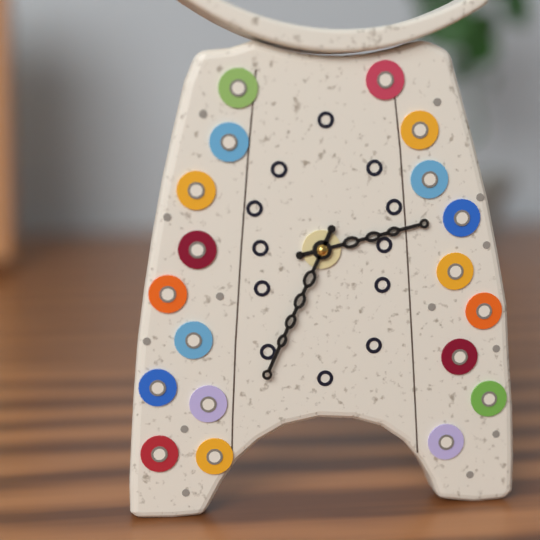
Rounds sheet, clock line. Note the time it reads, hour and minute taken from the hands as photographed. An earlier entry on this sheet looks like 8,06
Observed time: 2,34
